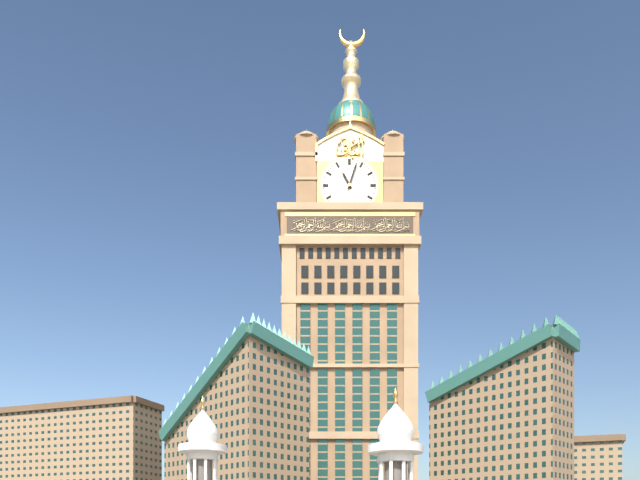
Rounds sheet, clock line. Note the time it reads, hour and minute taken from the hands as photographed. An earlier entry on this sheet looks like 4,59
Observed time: 11,03
